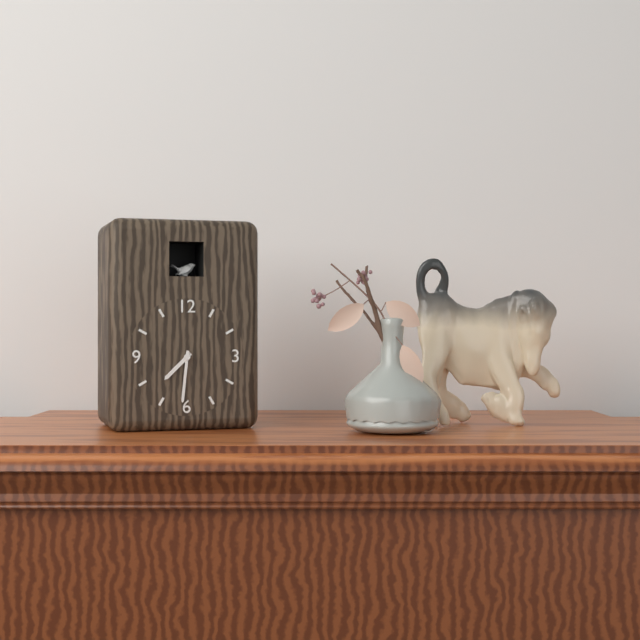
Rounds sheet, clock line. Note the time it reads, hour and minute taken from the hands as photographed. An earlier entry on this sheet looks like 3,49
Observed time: 7,31
